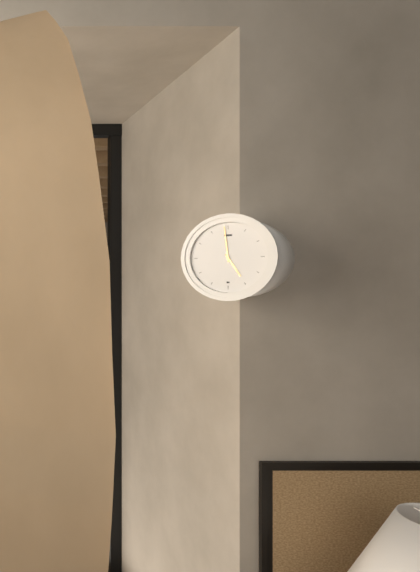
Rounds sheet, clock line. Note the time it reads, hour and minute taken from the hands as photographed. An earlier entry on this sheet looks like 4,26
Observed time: 4,59
